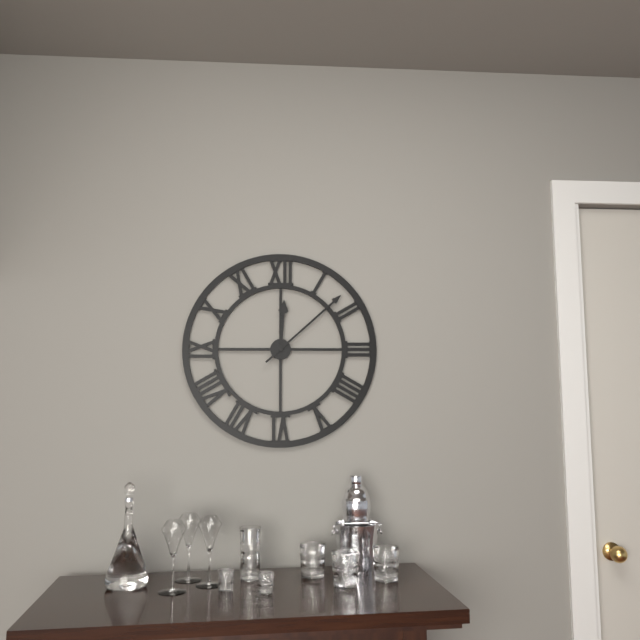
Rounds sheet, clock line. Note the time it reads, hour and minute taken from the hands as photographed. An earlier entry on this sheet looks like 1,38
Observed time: 12,08
